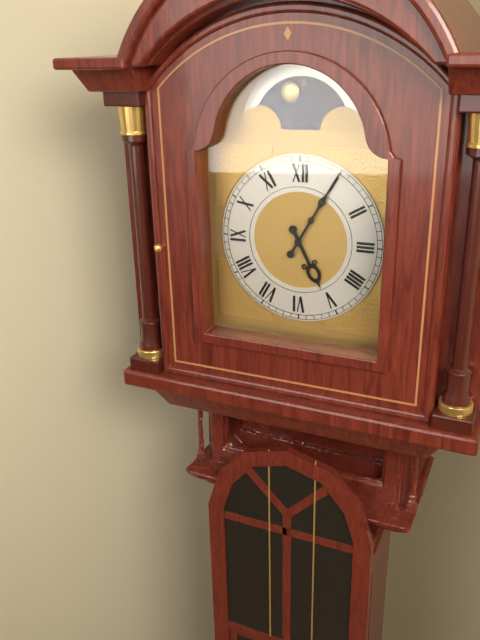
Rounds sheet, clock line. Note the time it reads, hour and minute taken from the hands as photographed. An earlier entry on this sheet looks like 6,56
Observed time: 5,05
